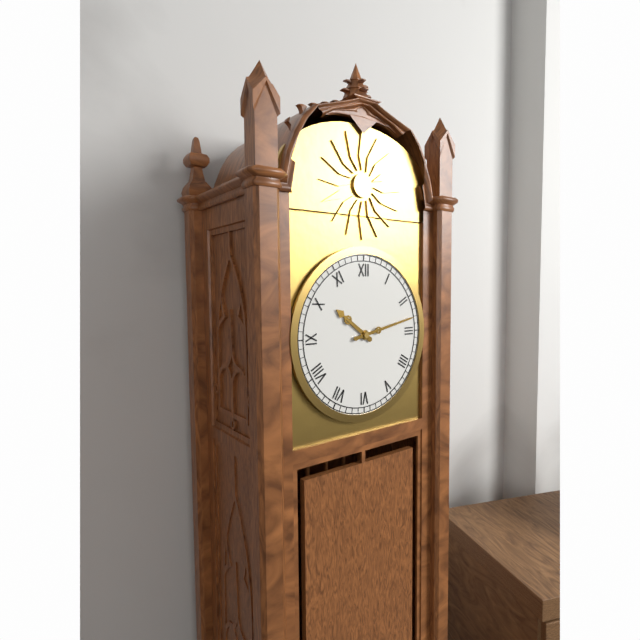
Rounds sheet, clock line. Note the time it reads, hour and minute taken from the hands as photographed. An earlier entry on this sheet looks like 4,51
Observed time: 10,13
